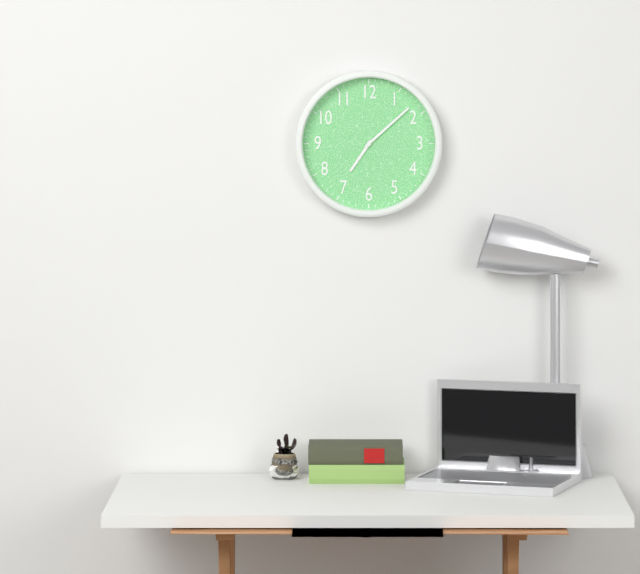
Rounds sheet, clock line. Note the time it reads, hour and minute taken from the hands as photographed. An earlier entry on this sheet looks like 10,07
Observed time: 7,08
